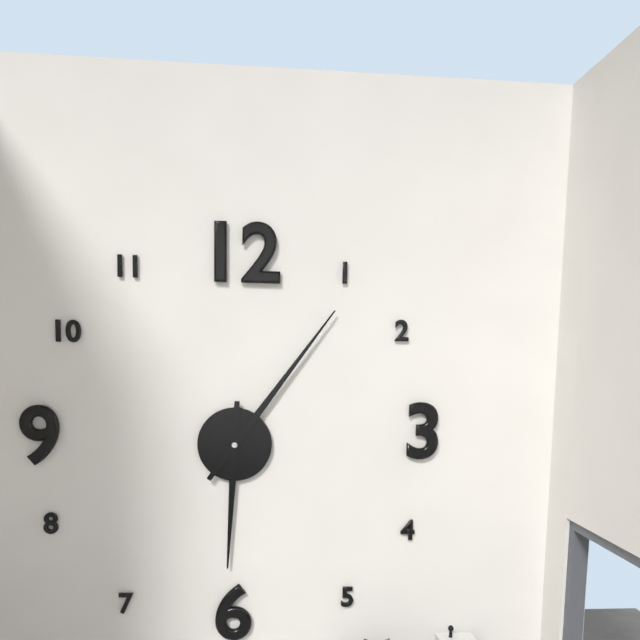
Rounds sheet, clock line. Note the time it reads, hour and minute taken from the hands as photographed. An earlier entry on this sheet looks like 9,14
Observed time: 6,06
